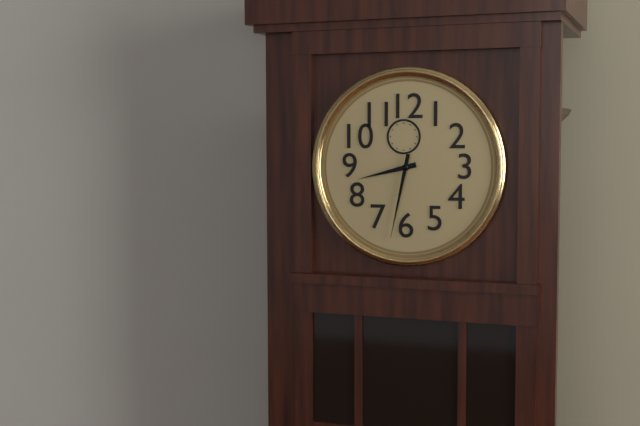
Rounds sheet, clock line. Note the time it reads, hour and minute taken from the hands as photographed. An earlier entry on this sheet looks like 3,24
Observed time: 8,32
